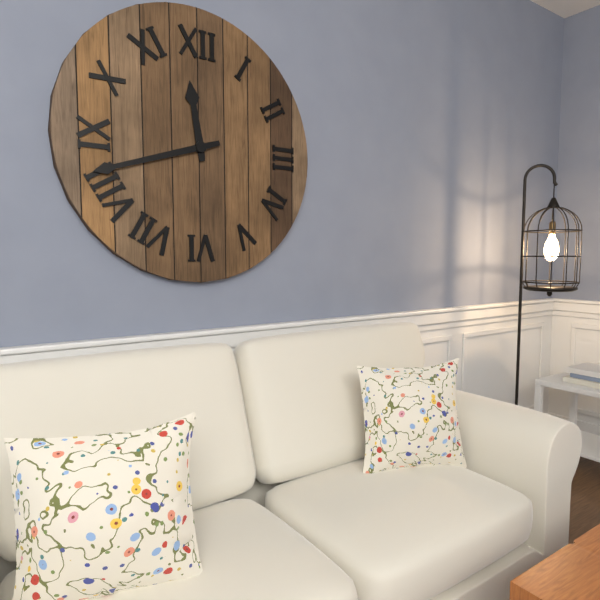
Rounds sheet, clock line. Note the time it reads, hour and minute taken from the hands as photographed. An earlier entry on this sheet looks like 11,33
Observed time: 11,42
